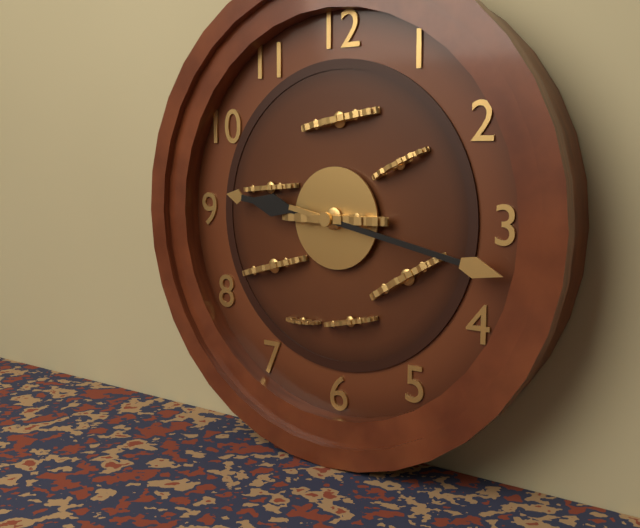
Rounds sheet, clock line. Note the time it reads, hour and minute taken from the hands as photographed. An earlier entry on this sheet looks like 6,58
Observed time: 9,17
